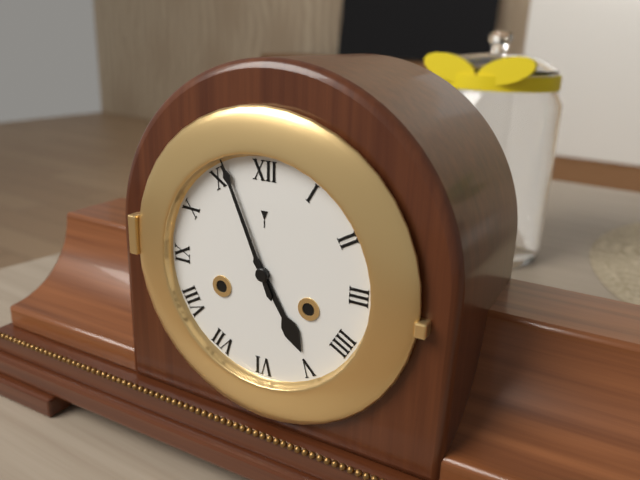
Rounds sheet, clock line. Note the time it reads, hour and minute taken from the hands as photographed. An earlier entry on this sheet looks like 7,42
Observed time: 4,56
